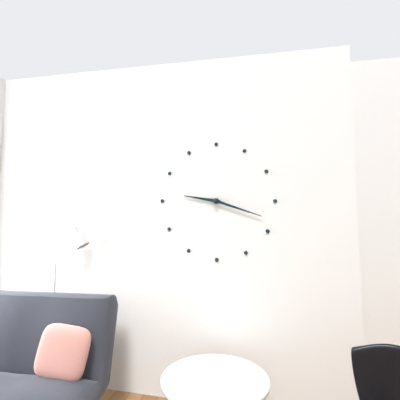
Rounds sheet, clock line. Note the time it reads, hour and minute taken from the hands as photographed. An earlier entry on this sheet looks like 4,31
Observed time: 9,18
